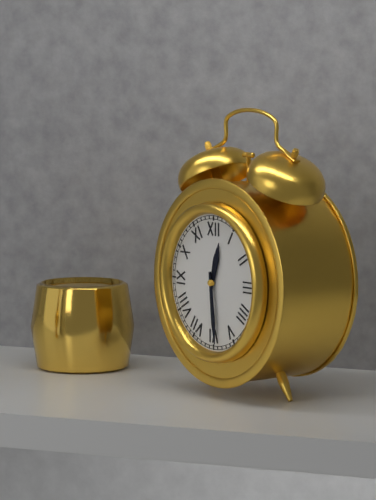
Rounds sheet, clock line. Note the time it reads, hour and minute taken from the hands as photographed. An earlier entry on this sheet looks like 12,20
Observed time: 12,29
